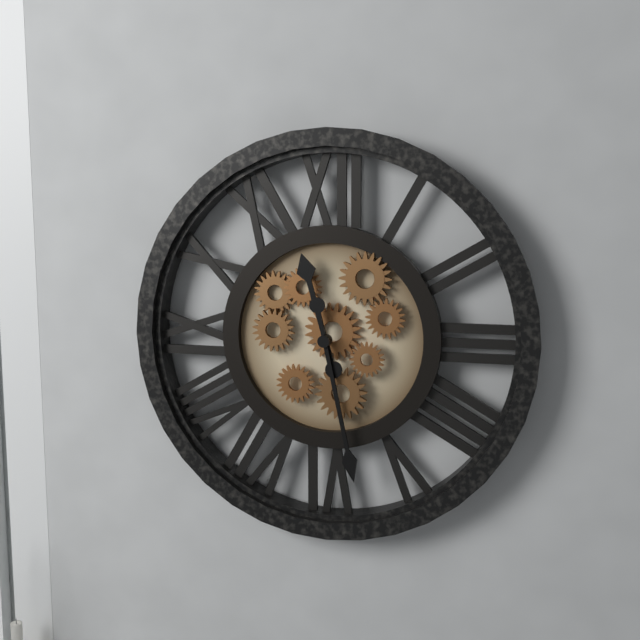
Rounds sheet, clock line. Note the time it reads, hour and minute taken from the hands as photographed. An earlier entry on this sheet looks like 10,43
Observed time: 11,28
